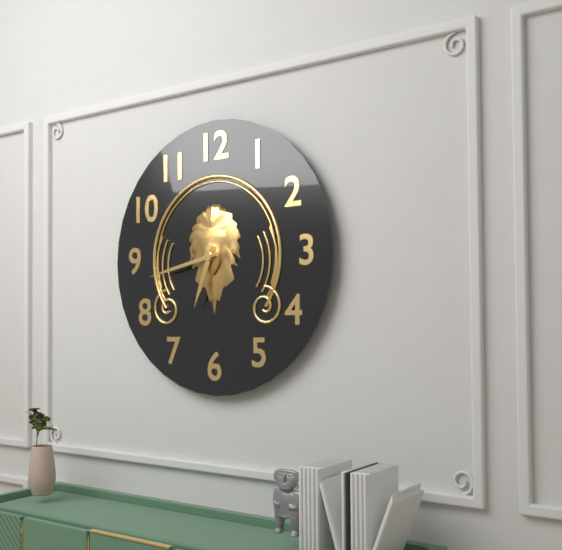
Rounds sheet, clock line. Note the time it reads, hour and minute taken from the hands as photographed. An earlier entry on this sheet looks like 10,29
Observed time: 6,43
